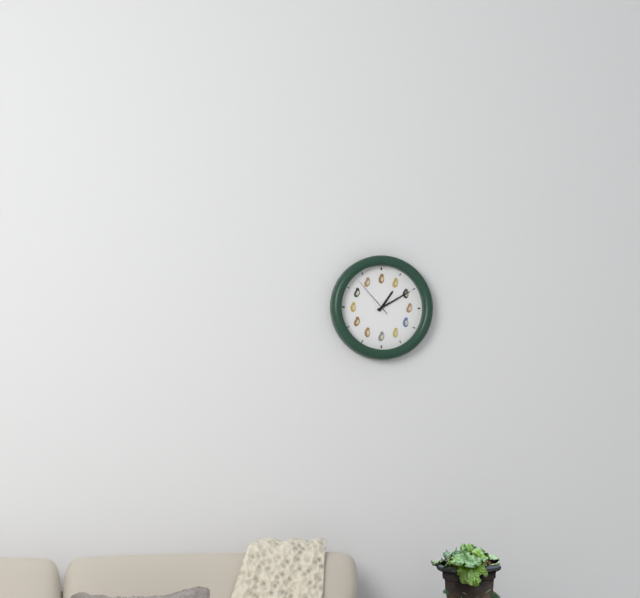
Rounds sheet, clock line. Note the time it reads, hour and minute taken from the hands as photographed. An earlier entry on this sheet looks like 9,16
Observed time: 1,10
